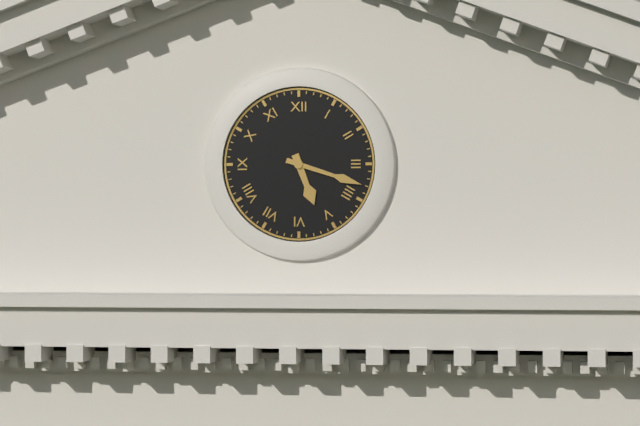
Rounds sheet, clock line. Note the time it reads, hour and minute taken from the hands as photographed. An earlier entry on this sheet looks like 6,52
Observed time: 5,18
